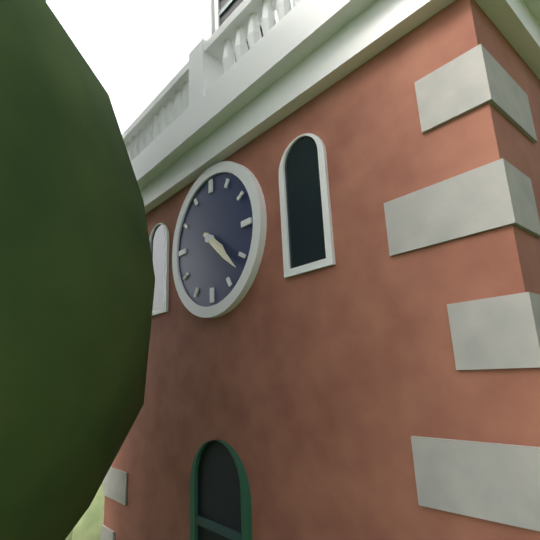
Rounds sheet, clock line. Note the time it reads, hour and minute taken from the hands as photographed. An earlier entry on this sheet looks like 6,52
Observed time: 4,22
